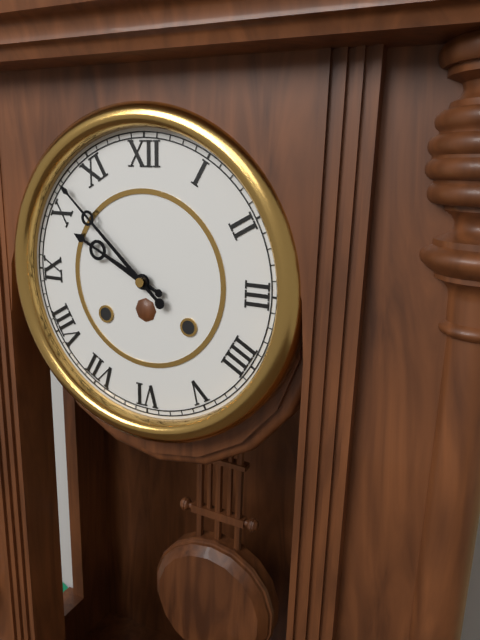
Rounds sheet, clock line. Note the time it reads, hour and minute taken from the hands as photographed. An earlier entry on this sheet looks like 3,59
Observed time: 9,52
